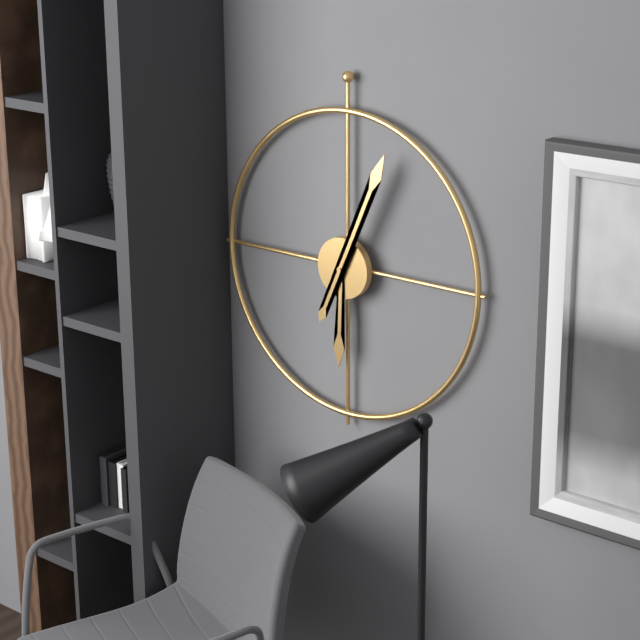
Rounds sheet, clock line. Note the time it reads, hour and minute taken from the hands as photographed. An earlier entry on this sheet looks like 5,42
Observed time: 6,04
